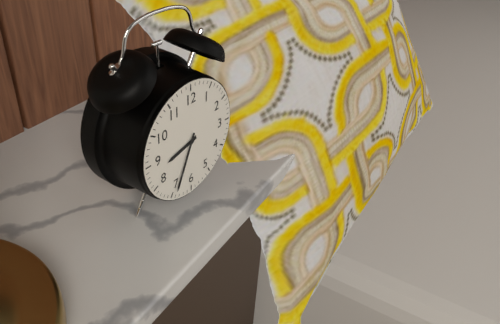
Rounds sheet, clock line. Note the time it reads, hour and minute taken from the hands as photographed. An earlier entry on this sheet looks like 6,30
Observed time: 8,34
